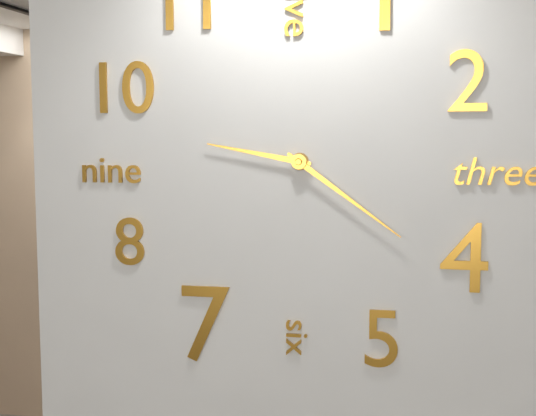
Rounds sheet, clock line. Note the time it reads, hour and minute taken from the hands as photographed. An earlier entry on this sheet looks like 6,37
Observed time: 9,21
